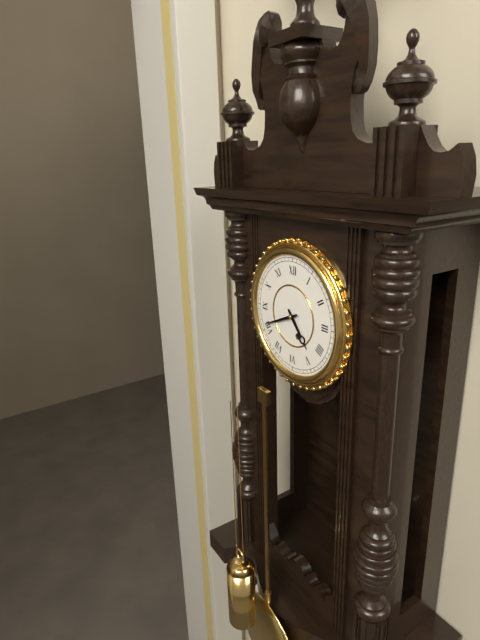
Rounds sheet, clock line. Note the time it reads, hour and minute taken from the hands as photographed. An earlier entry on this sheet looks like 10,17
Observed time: 4,41
